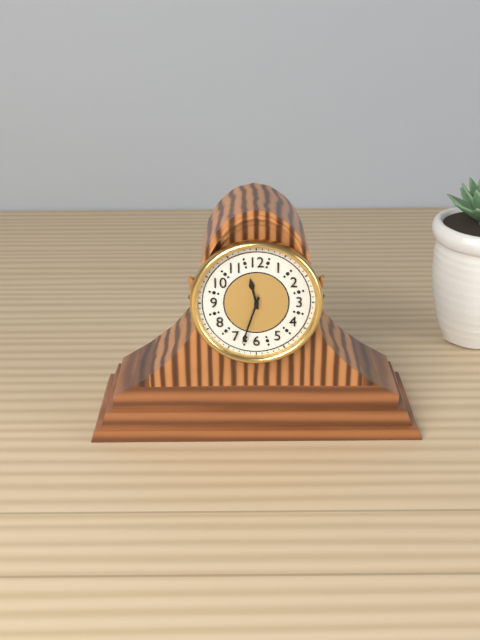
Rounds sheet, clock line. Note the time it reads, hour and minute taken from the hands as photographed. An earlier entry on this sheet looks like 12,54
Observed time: 11,33
